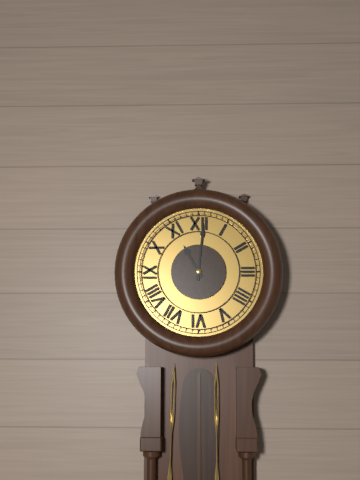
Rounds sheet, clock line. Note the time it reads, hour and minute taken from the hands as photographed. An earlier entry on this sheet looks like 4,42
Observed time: 11,01
